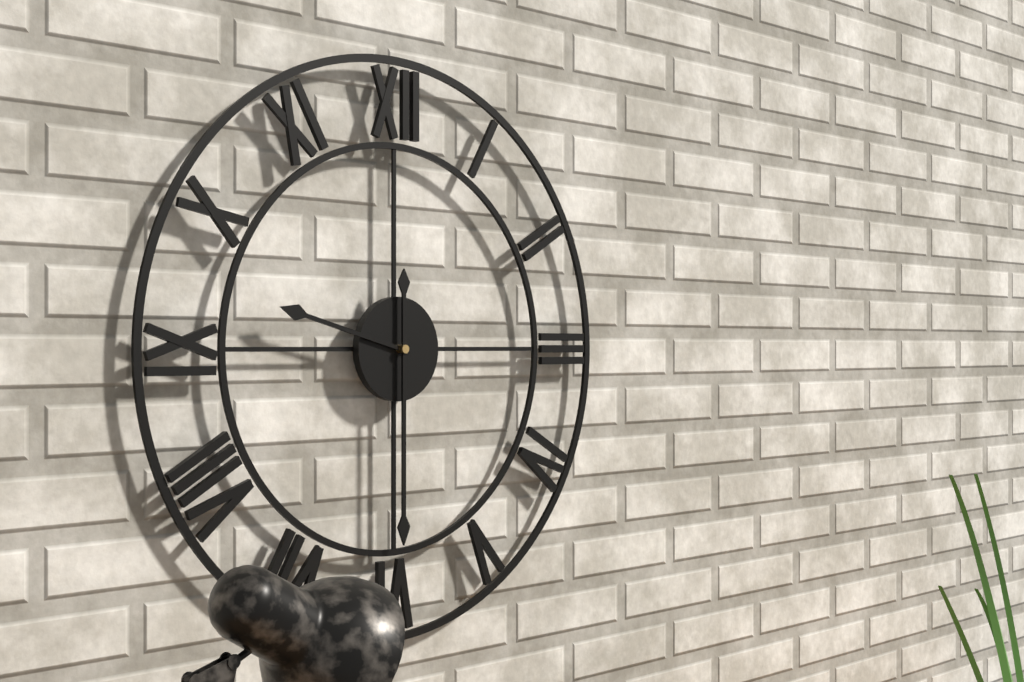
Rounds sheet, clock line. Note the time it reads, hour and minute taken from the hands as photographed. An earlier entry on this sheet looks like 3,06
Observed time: 9,30
